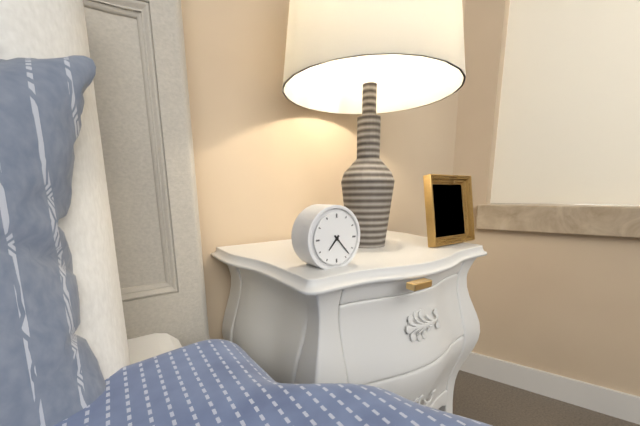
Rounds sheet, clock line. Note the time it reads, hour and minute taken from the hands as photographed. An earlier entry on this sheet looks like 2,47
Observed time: 7,23
